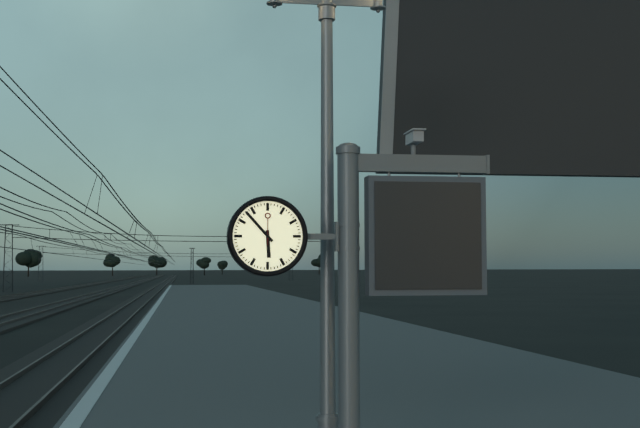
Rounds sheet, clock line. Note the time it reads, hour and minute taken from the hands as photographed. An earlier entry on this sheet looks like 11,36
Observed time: 5,53
